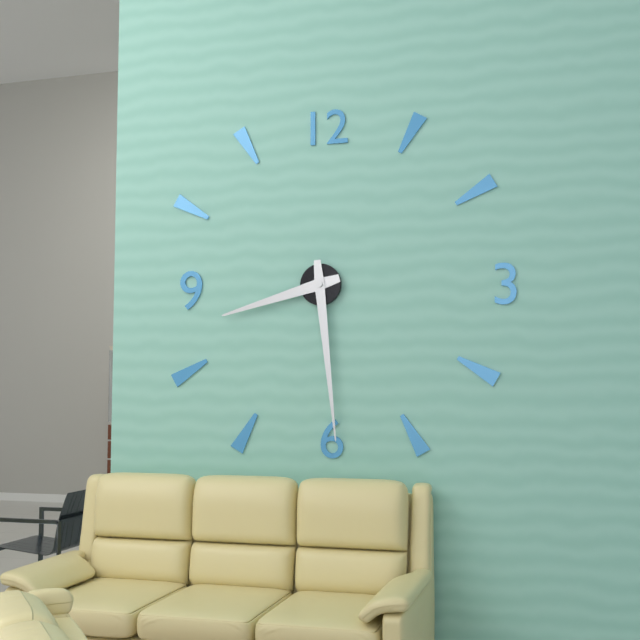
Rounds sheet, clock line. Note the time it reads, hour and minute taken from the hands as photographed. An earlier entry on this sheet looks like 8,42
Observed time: 8,29
